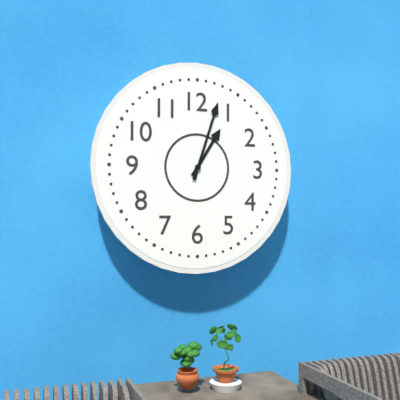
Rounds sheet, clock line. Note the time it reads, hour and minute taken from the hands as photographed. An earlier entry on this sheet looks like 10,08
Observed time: 1,03
